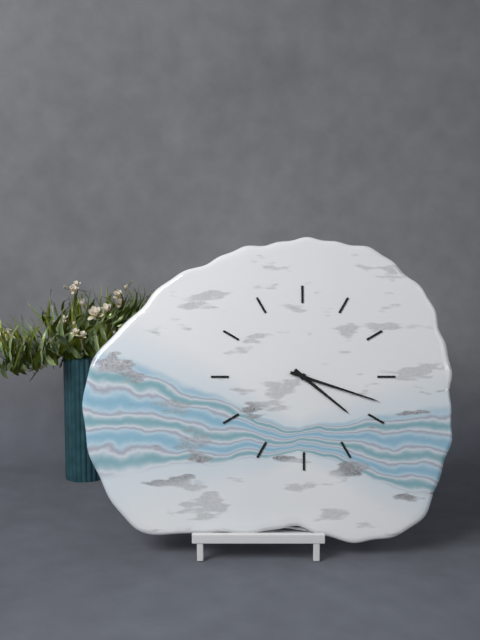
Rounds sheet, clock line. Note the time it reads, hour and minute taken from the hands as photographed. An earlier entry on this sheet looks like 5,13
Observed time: 4,18
